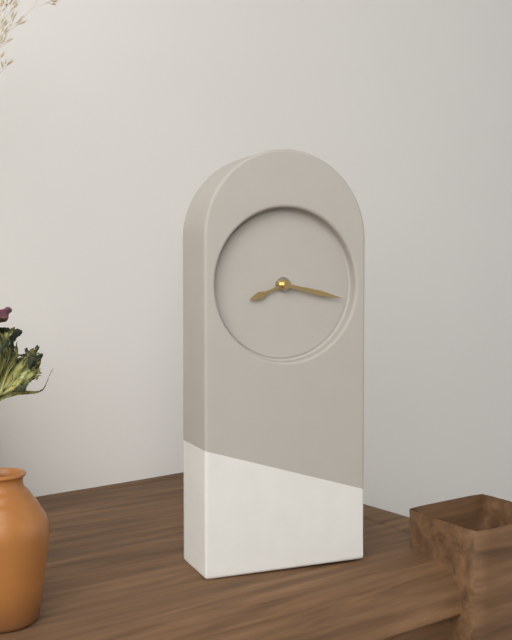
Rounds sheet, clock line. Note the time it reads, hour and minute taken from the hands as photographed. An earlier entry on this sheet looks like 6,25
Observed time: 8,17
